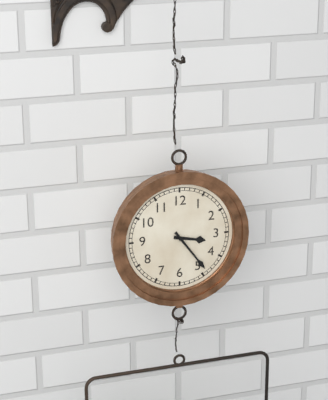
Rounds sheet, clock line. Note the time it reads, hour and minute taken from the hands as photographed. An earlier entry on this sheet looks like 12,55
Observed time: 3,24
